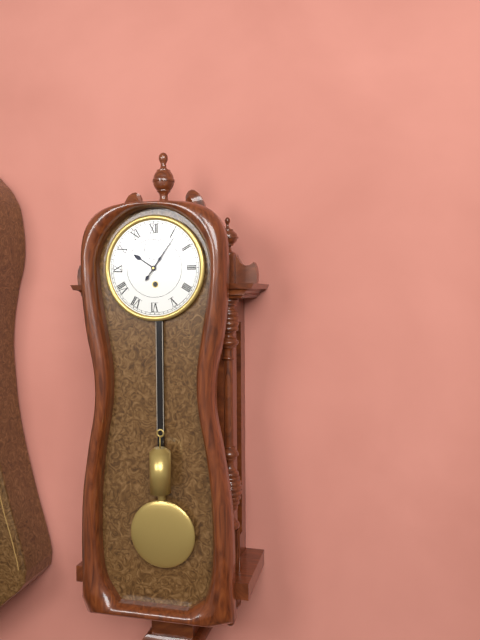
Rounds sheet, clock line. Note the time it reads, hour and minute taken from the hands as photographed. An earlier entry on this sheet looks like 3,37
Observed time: 10,06
